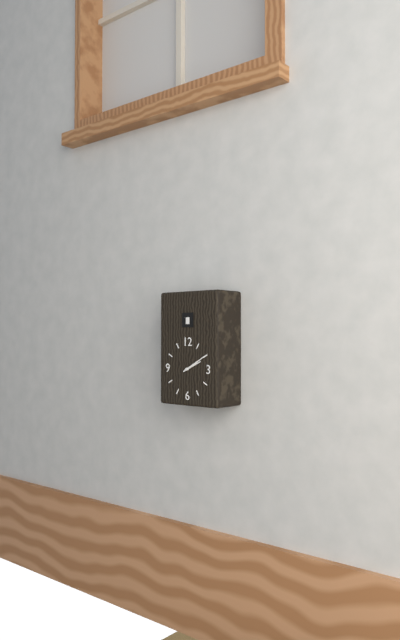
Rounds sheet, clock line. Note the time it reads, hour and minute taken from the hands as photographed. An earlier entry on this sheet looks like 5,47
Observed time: 2,10
